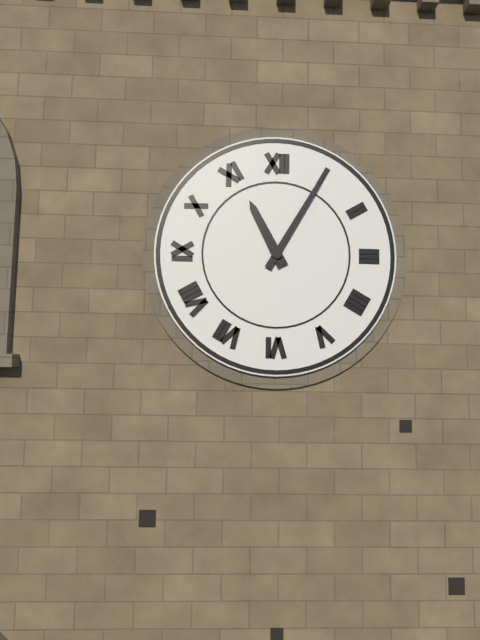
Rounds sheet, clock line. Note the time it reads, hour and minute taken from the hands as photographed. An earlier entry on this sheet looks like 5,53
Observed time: 11,05
